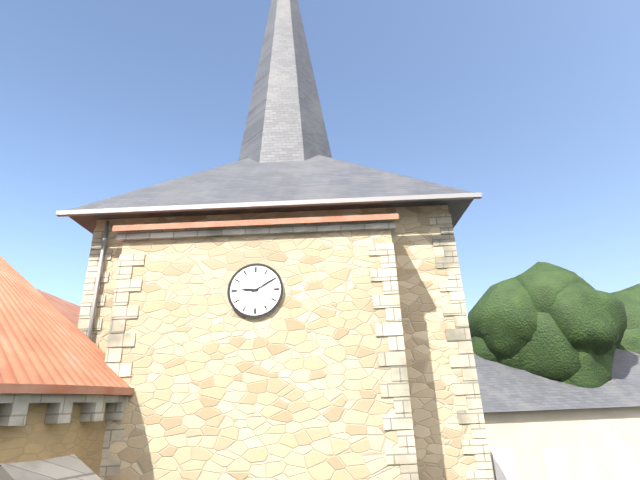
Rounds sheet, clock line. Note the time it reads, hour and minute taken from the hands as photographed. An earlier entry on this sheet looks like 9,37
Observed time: 9,10
